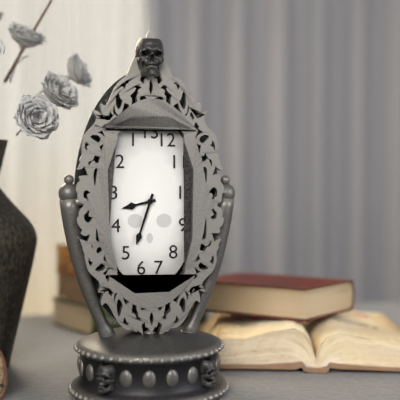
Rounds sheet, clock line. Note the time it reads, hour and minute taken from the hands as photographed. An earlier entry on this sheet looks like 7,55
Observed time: 8,33
